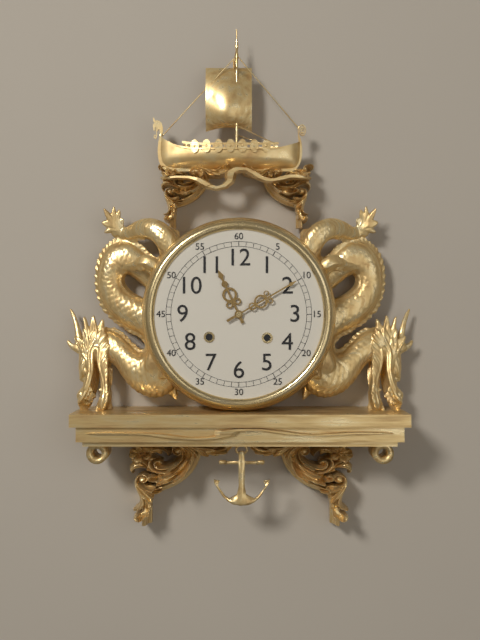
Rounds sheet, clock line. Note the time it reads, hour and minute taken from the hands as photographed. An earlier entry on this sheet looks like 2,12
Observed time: 11,10
